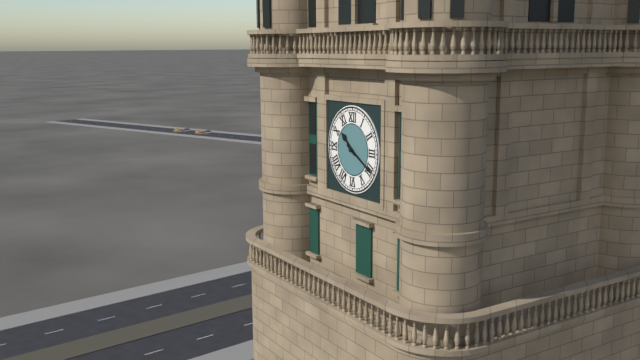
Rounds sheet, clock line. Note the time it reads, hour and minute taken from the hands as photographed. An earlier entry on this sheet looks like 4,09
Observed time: 10,20
